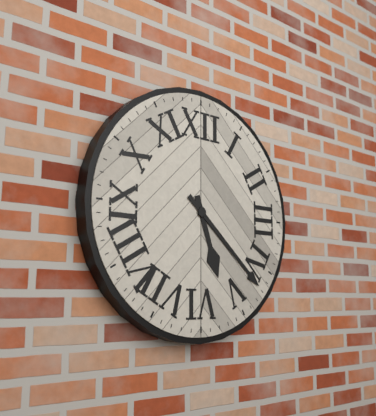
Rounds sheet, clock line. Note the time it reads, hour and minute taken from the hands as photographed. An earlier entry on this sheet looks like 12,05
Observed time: 5,22
